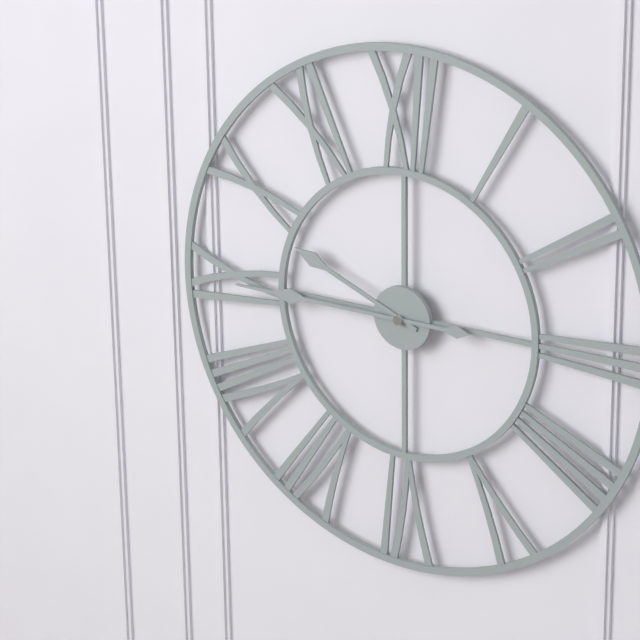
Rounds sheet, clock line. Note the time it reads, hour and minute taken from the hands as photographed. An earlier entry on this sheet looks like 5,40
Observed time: 9,45
